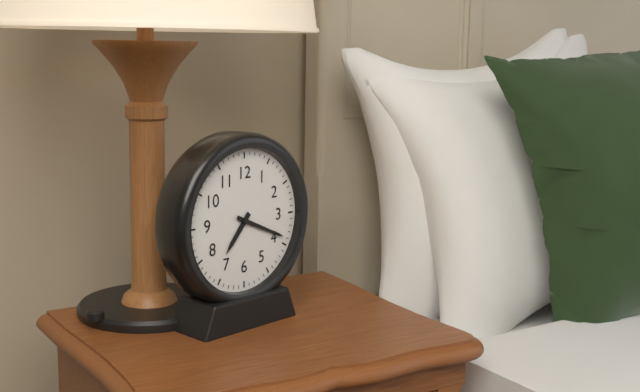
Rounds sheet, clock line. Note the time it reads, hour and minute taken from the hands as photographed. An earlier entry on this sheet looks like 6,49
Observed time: 7,19
